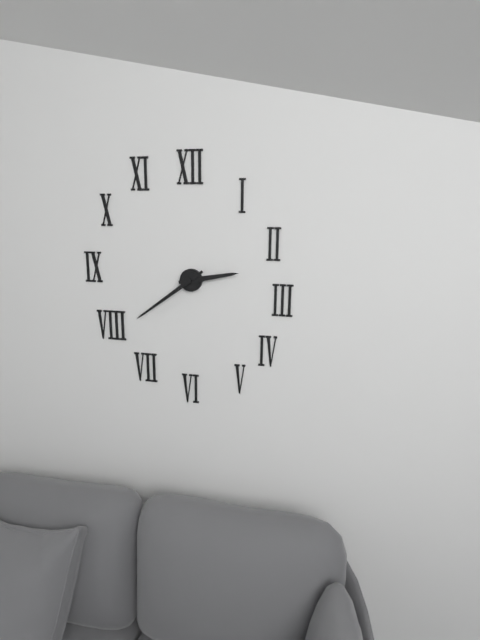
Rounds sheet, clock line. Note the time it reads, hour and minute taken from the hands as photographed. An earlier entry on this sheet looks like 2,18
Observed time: 2,39
